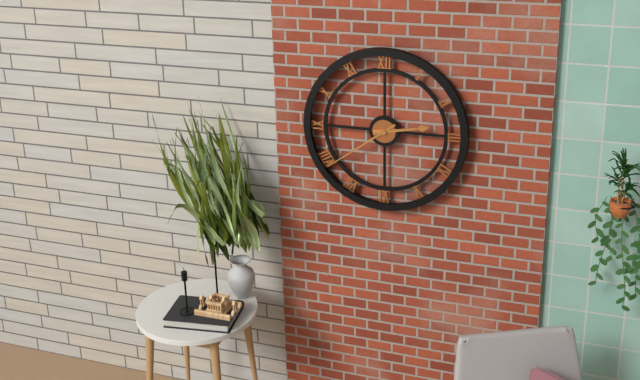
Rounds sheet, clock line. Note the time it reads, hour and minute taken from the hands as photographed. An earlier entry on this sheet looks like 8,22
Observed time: 2,39
